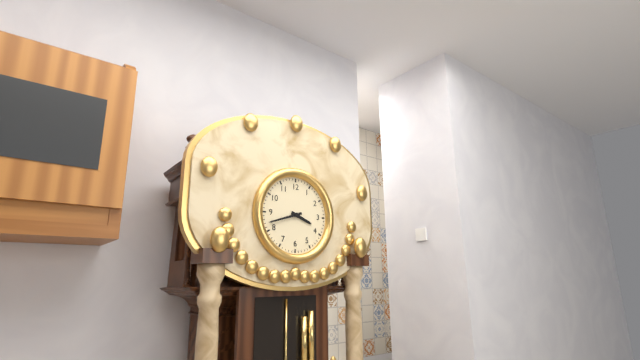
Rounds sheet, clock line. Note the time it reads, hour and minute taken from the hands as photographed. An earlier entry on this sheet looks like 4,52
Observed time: 3,42
